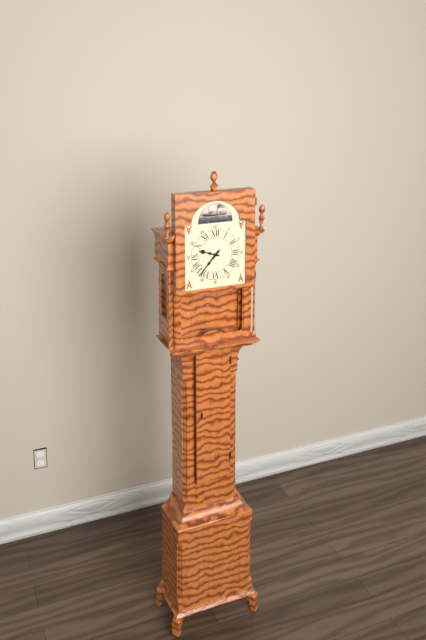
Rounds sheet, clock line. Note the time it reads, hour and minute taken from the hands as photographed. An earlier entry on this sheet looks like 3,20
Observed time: 9,37
